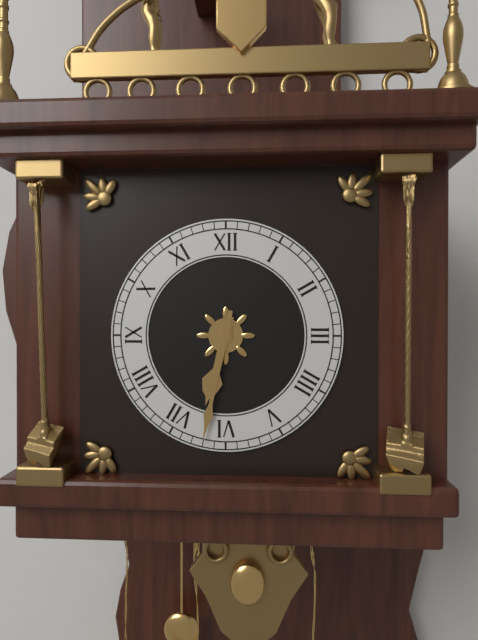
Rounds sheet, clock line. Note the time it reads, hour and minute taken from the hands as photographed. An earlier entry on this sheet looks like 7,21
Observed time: 6,32
